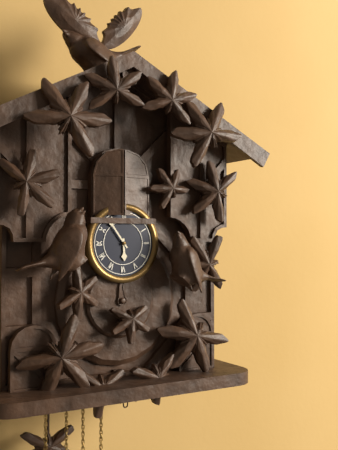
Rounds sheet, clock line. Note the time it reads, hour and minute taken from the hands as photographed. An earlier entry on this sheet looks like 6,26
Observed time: 5,54
